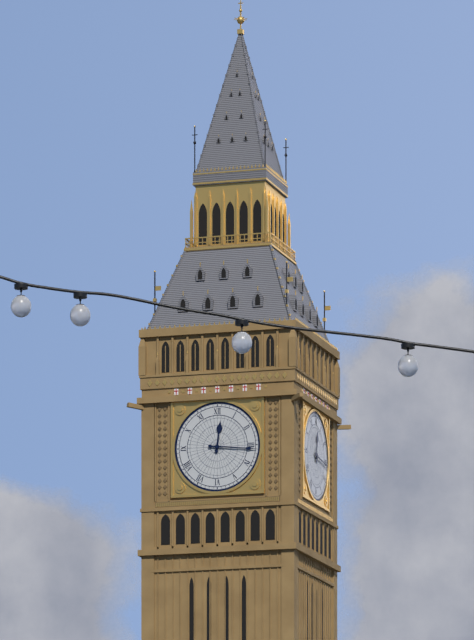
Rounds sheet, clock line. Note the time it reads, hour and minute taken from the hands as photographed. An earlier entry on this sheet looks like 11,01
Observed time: 12,16
